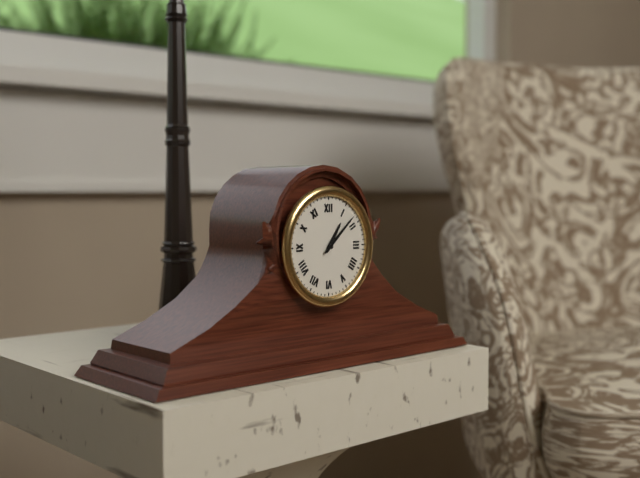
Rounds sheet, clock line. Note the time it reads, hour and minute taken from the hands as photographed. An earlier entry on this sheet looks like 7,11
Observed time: 1,08
